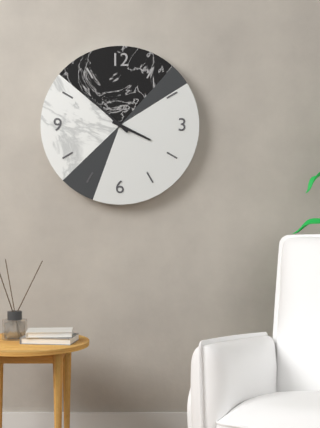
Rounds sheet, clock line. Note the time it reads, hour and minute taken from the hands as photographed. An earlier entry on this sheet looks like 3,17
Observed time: 3,52
